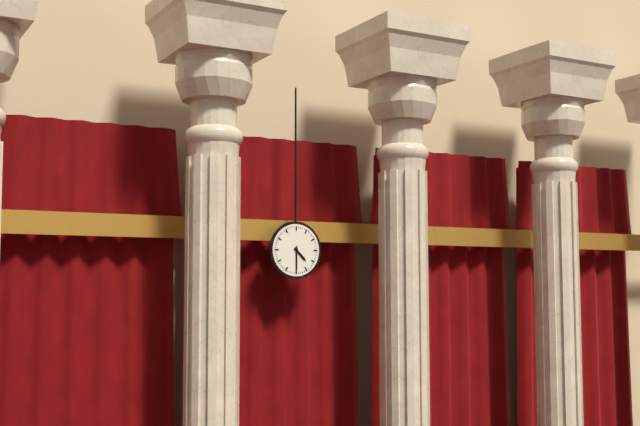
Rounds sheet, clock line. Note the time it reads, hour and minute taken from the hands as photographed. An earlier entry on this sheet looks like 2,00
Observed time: 4,30
